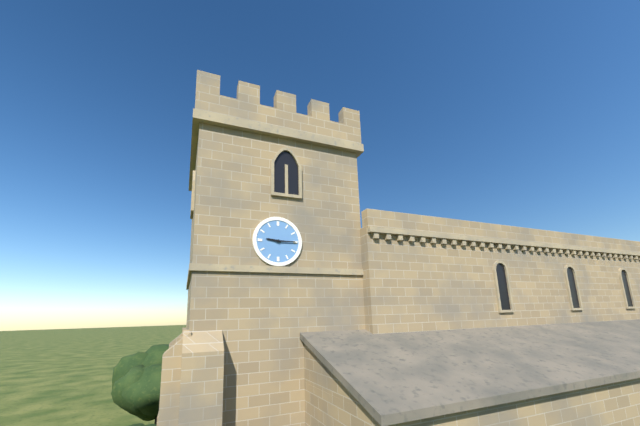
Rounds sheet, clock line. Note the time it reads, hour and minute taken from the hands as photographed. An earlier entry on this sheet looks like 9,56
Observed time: 9,15
